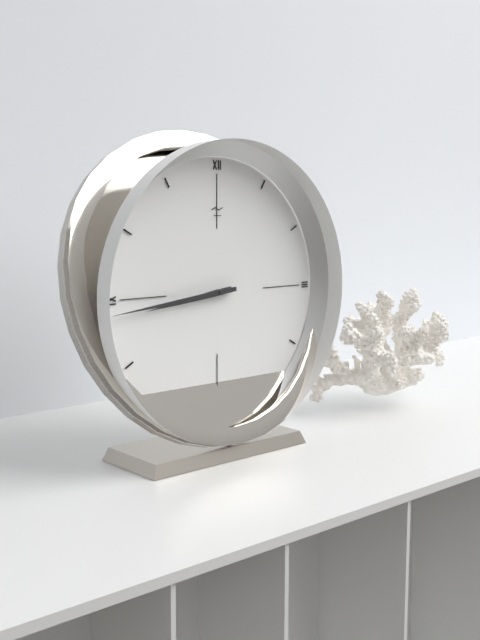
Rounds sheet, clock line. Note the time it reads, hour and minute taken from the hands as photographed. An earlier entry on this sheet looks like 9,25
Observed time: 8,44
